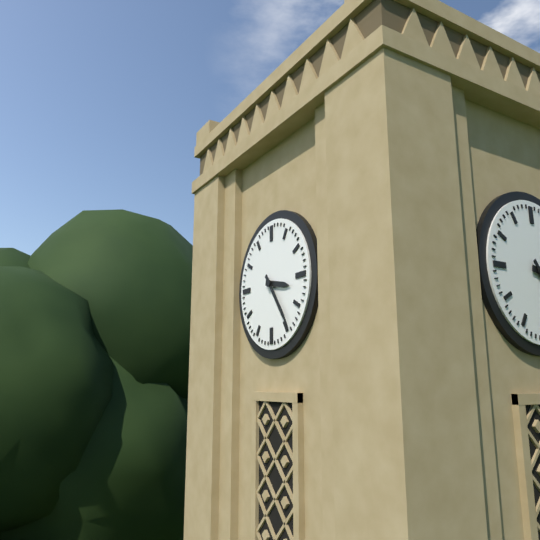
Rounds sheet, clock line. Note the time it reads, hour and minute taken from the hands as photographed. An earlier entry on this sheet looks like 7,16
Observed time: 3,24
